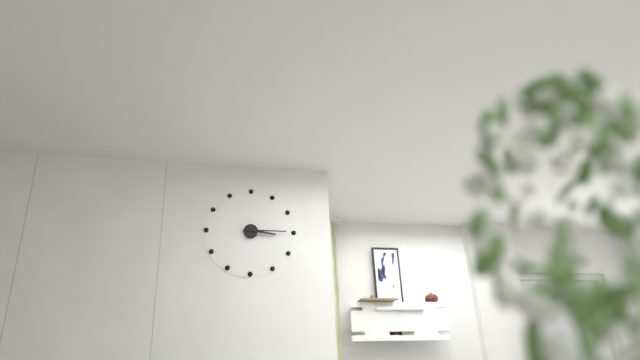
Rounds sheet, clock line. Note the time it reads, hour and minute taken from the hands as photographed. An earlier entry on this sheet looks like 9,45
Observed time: 3,15
